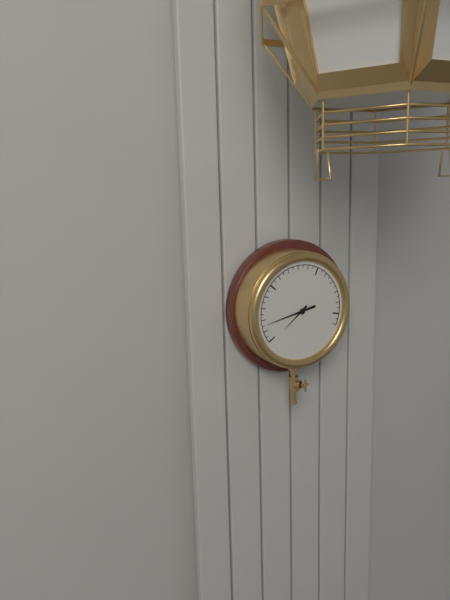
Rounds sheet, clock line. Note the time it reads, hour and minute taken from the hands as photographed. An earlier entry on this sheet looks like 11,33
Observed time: 7,43
